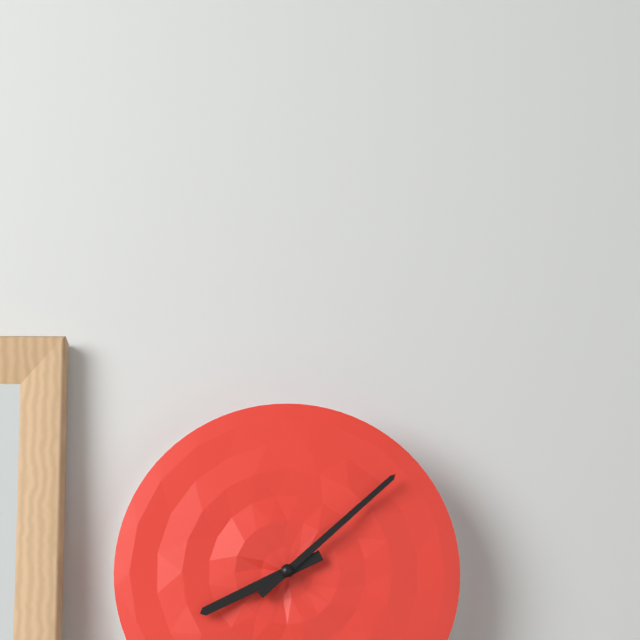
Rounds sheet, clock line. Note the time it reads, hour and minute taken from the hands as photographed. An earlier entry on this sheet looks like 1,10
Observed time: 8,08
